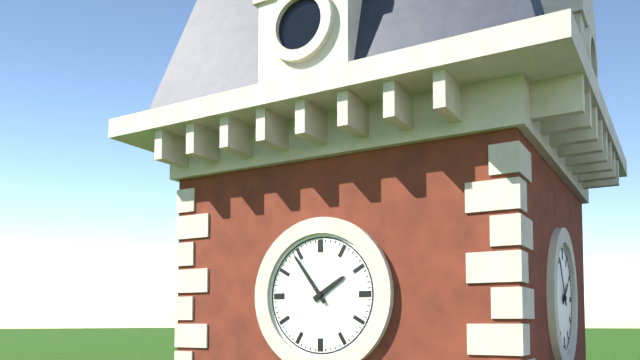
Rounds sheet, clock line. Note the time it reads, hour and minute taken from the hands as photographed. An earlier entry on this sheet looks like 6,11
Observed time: 1,54
